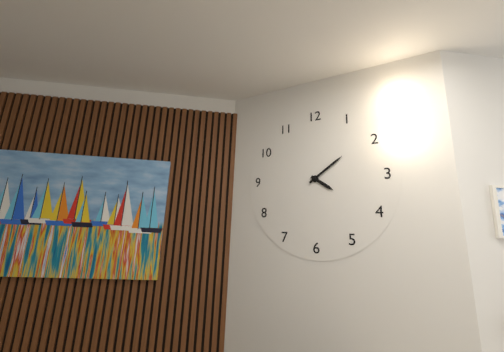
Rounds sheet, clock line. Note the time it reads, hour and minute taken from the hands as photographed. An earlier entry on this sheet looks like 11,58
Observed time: 4,09
